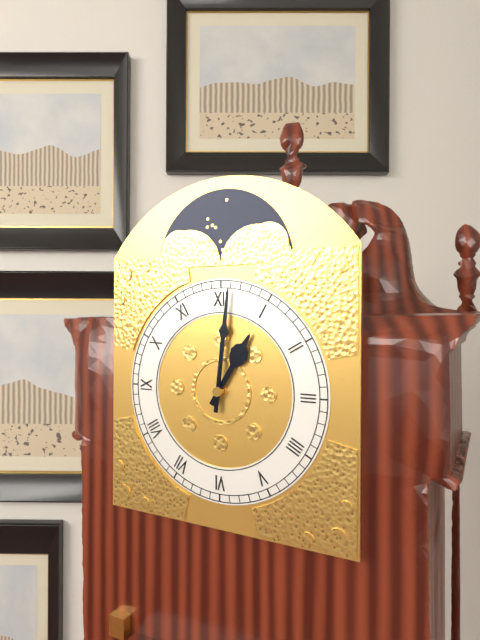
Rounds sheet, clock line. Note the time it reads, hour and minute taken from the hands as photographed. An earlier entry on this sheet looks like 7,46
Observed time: 1,01
